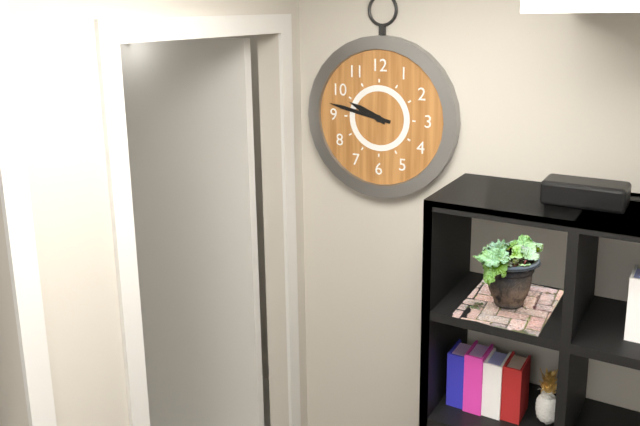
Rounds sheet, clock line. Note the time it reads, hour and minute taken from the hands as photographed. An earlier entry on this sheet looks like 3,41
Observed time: 9,47
